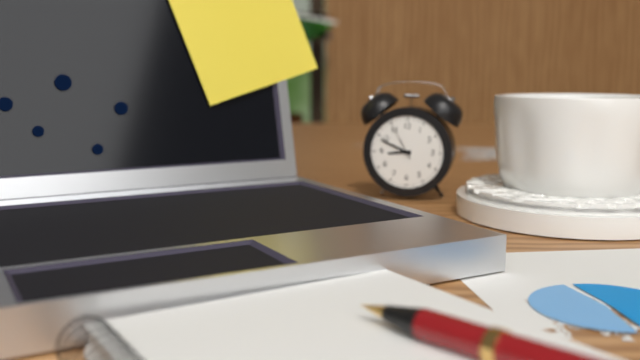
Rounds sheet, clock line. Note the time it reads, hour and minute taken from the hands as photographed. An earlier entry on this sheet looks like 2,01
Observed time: 8,49
